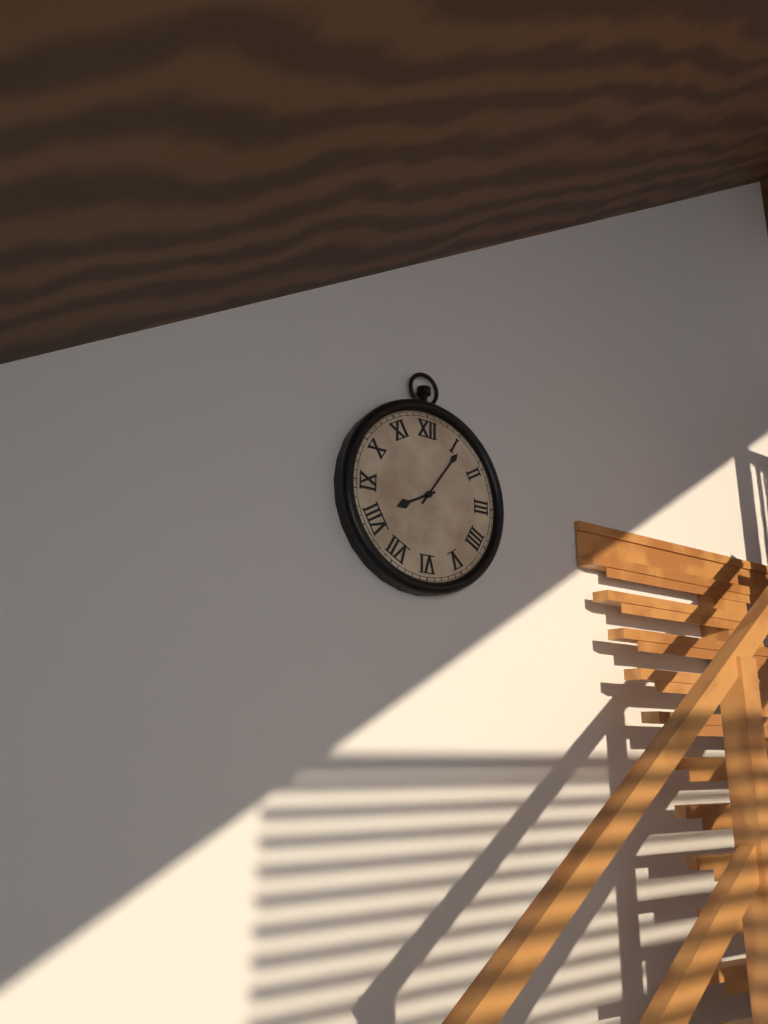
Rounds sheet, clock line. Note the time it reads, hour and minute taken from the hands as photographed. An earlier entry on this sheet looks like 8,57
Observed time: 8,06
